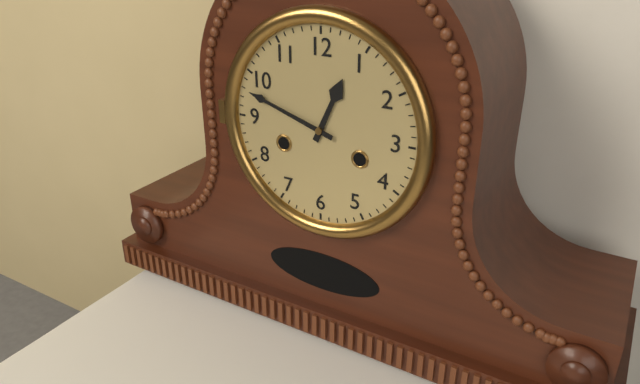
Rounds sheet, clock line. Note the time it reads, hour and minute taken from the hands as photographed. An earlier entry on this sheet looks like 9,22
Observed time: 12,48
